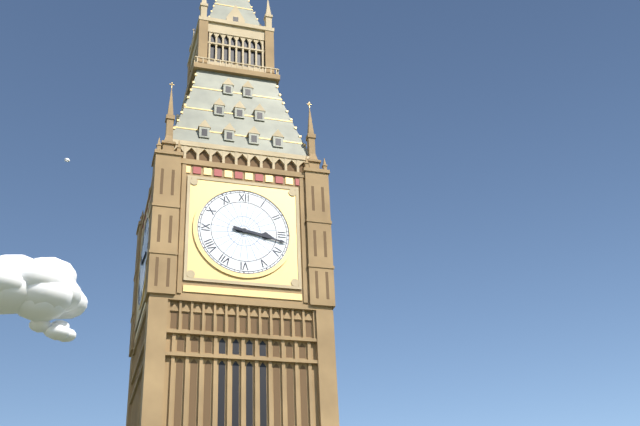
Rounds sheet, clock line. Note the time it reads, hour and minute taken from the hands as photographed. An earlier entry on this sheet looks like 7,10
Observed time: 3,17
